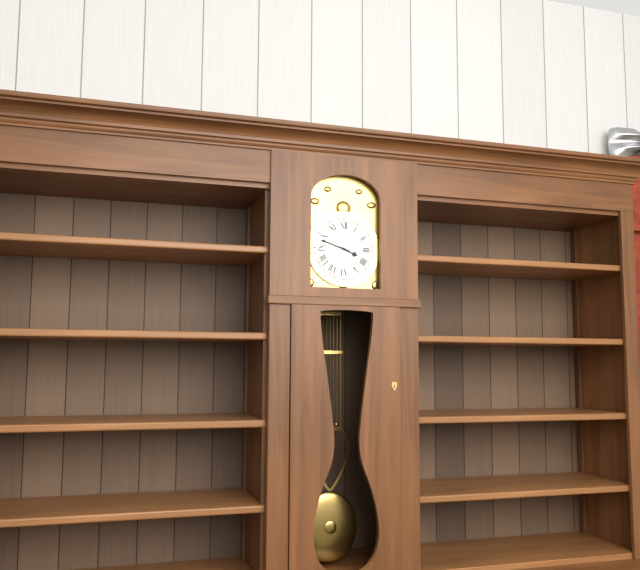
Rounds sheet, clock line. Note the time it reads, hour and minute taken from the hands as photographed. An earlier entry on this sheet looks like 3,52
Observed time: 3,48
